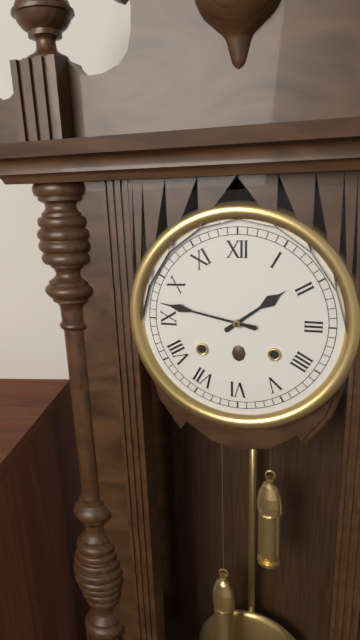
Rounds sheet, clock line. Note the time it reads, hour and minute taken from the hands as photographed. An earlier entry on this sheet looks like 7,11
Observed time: 1,47
